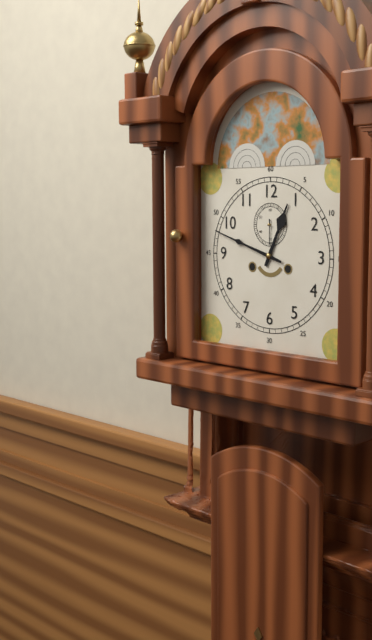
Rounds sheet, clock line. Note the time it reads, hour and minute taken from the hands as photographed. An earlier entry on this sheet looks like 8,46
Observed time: 12,48
